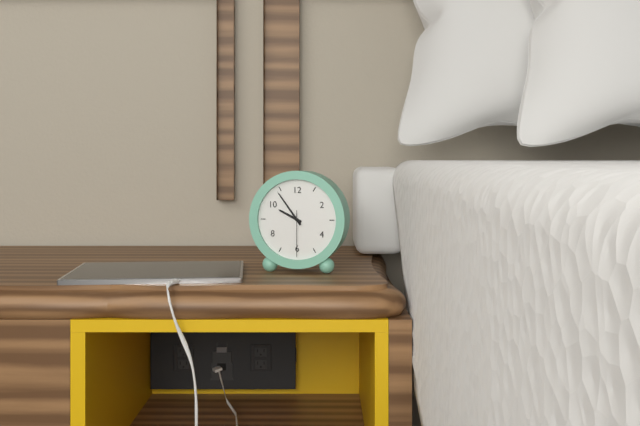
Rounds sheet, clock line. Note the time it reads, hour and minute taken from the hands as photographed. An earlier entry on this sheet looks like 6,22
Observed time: 9,54
